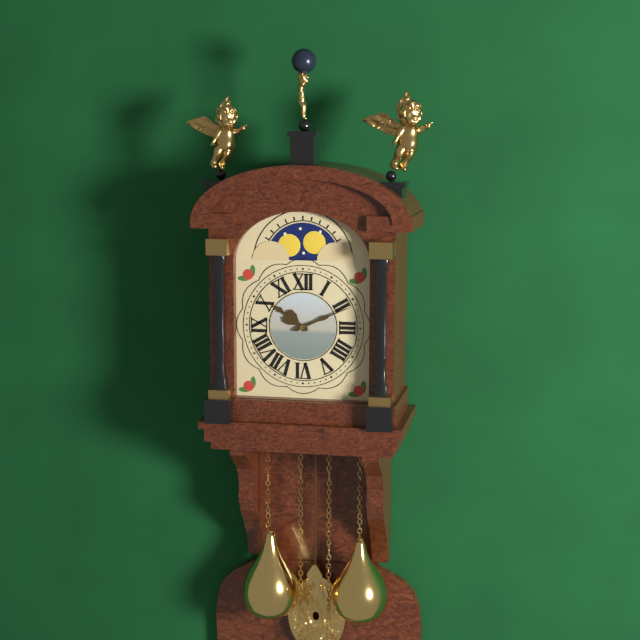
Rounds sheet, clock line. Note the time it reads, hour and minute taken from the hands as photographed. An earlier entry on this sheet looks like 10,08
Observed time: 10,11
